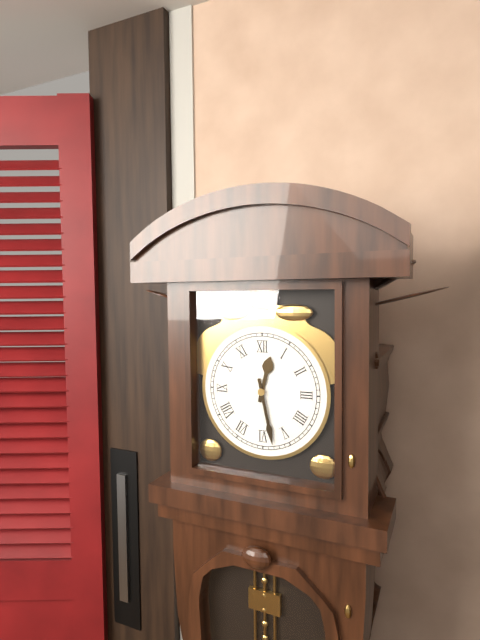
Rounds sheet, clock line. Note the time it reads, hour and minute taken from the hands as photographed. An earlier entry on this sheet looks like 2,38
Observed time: 12,28
